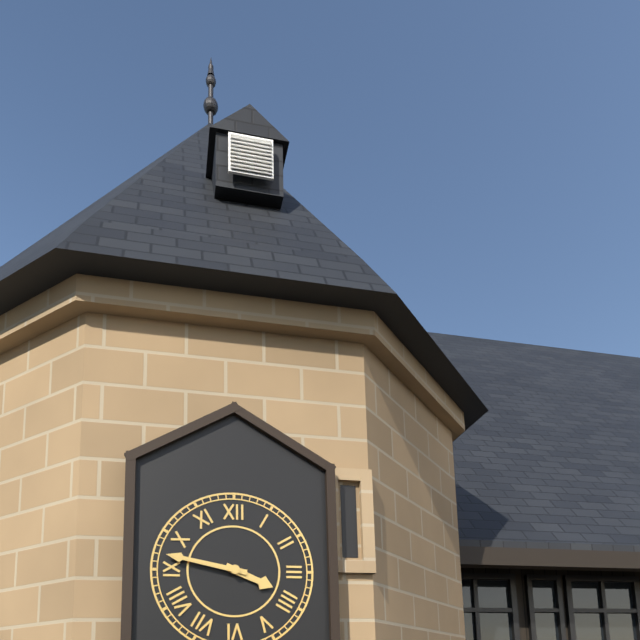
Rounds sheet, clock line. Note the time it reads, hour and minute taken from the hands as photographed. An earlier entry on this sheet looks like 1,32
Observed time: 3,47
